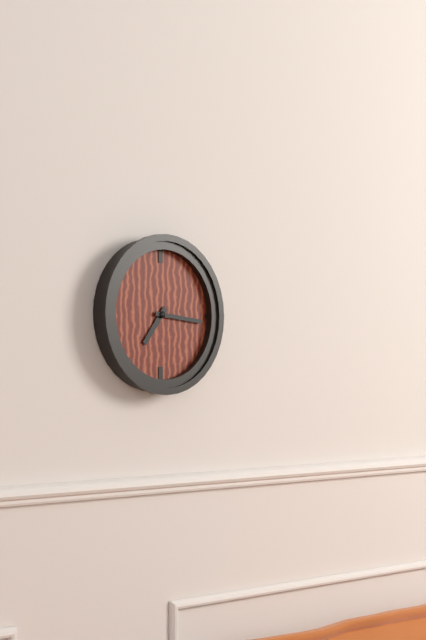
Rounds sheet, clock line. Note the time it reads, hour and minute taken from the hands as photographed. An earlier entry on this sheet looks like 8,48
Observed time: 7,16
